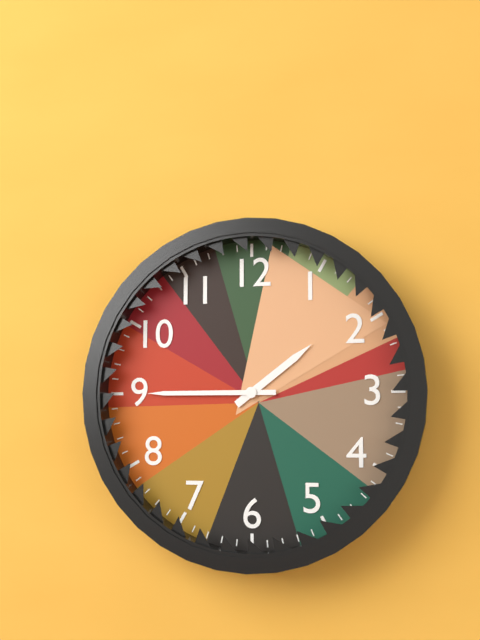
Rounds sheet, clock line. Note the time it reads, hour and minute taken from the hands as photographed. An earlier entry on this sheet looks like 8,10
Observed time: 1,45
